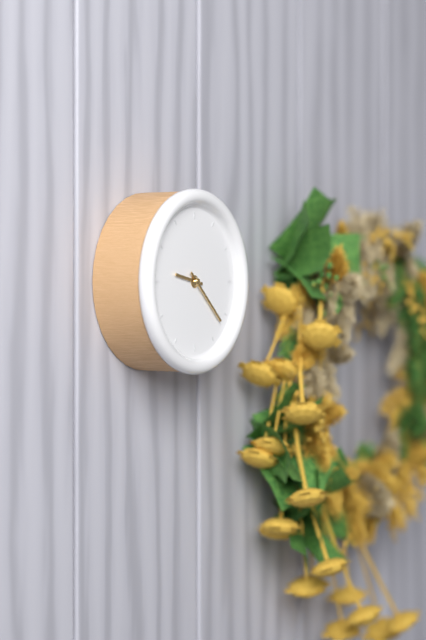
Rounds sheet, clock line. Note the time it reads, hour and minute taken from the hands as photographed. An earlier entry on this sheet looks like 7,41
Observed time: 9,22
